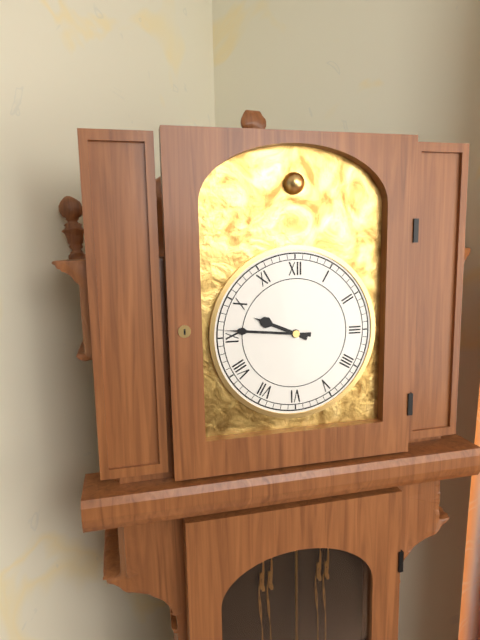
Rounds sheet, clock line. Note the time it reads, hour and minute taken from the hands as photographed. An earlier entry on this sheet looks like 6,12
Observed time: 9,46
